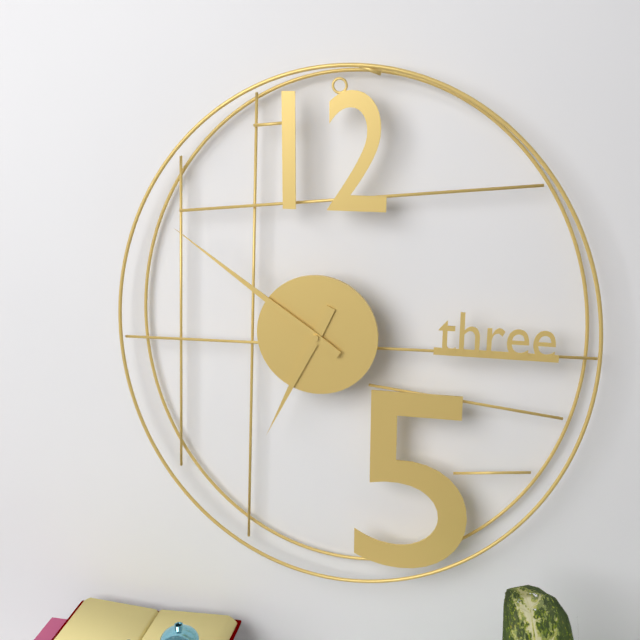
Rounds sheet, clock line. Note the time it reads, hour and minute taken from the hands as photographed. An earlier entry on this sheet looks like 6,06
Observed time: 6,51
